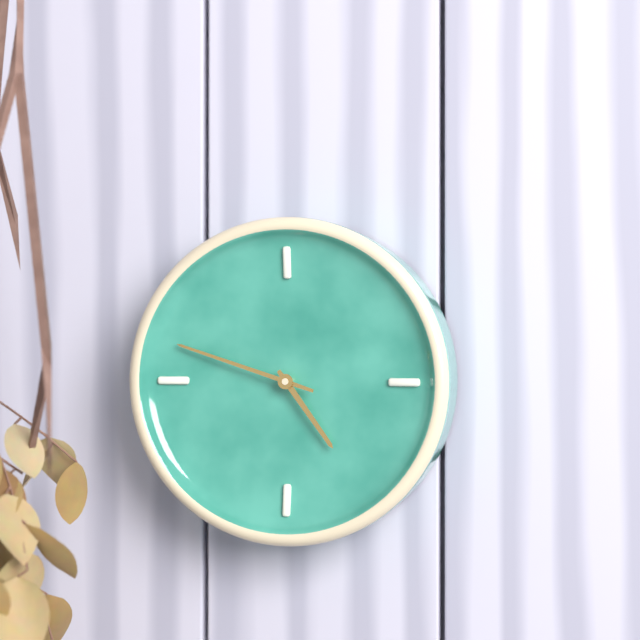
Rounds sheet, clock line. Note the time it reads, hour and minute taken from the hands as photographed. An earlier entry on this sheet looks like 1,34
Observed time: 4,48
